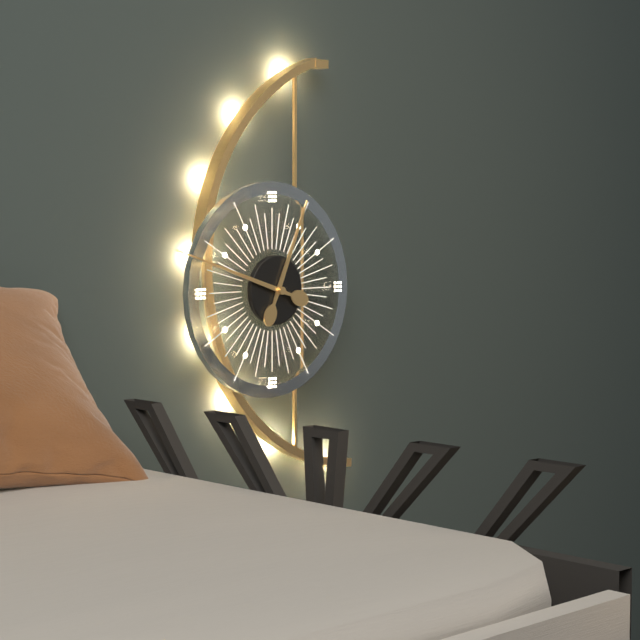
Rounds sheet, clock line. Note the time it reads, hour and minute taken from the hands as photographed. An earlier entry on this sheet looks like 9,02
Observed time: 12,48
